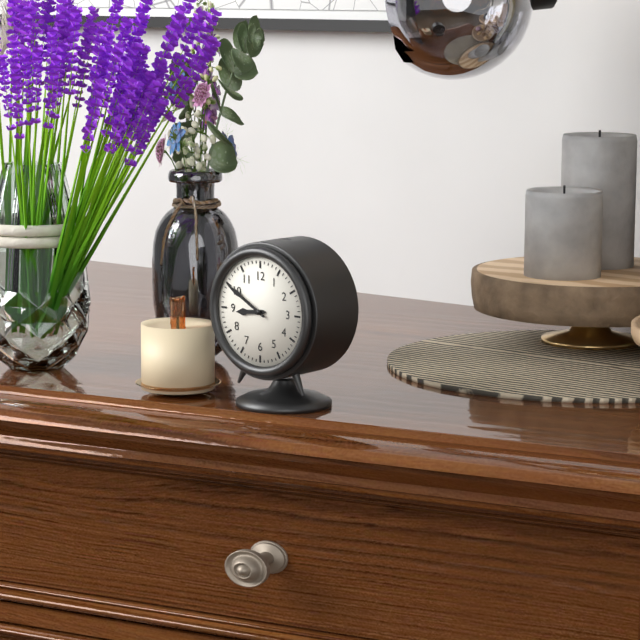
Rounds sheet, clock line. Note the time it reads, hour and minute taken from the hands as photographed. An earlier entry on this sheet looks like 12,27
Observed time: 8,50
